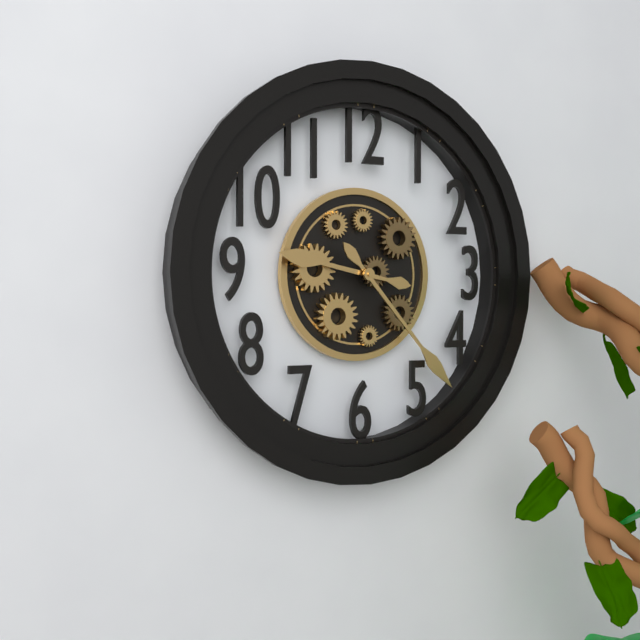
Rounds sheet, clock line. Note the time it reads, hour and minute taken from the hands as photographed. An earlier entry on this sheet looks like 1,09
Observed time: 9,23
